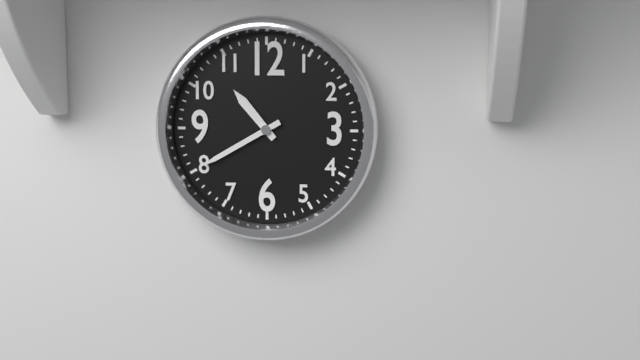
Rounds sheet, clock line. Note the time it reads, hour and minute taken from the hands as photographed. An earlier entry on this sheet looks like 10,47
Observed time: 10,40
